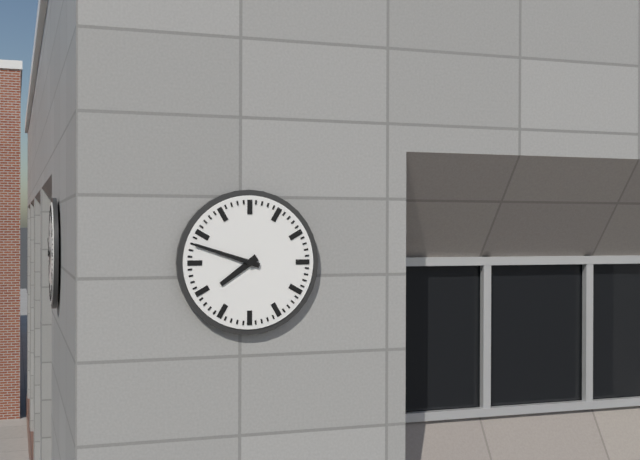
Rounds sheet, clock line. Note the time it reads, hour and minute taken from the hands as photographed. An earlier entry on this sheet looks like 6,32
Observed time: 7,48
